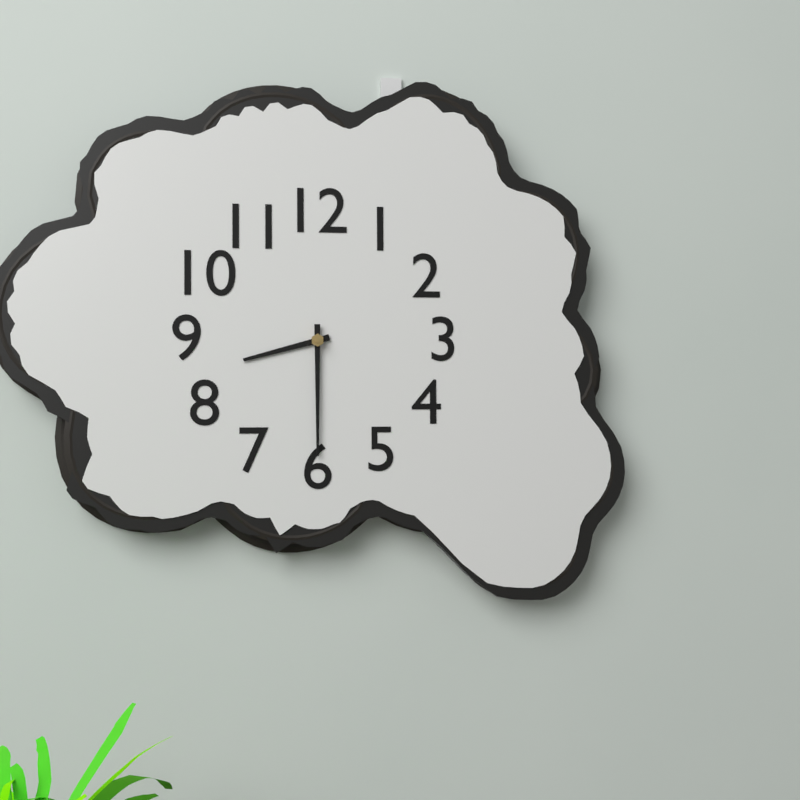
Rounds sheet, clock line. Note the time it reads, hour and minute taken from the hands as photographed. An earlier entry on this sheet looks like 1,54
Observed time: 8,30
